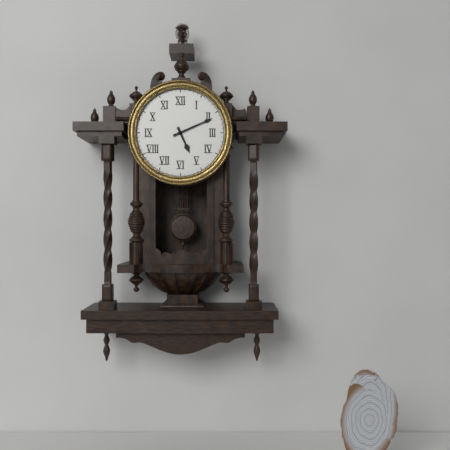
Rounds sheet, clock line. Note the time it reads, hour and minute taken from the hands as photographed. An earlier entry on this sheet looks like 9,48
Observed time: 5,11
